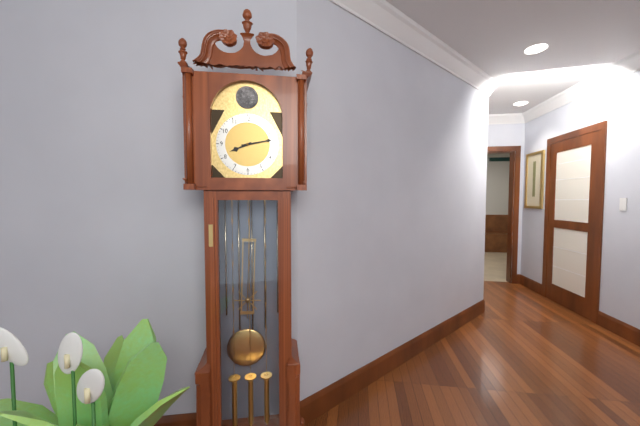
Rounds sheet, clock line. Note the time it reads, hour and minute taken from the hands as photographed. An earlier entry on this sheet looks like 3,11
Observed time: 8,13
